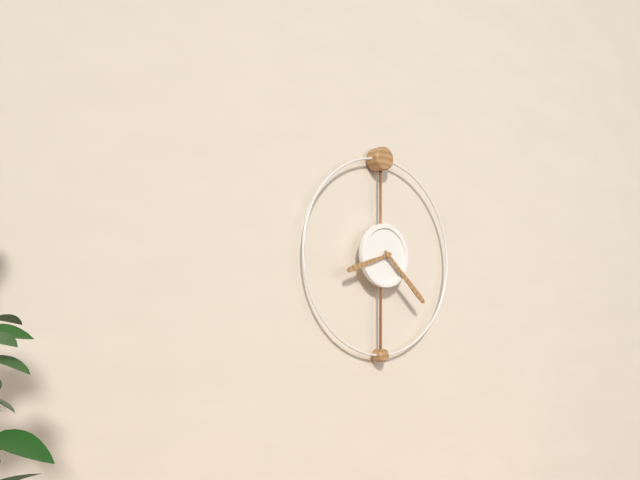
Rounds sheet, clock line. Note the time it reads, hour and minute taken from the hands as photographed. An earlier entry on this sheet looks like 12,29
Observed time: 8,22
